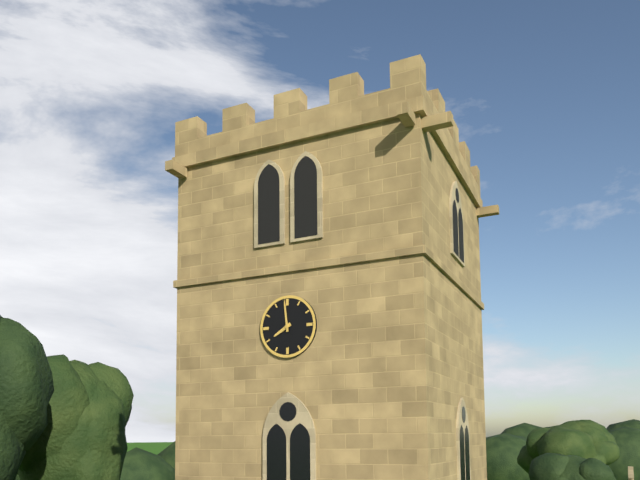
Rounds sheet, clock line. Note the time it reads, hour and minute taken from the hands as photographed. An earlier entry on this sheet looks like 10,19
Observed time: 7,59
